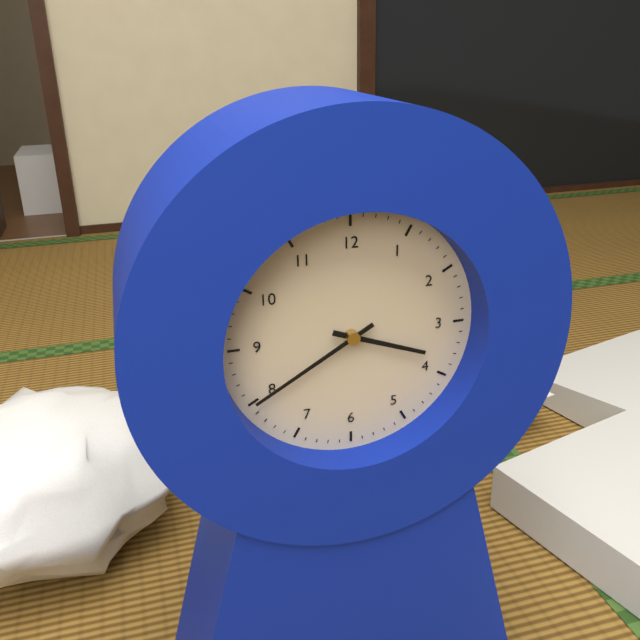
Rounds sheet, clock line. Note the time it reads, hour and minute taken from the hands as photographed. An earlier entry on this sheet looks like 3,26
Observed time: 3,40
